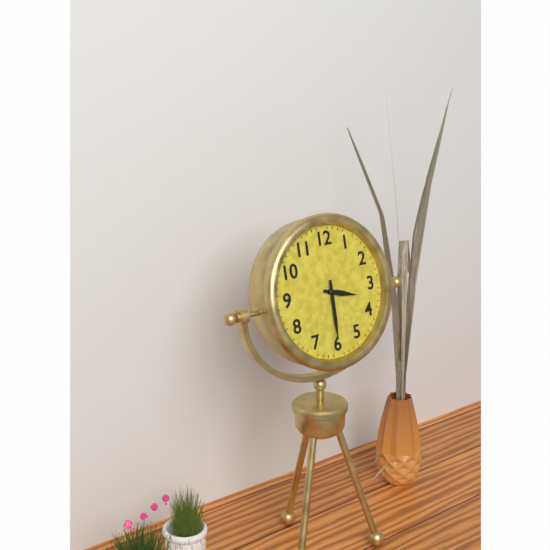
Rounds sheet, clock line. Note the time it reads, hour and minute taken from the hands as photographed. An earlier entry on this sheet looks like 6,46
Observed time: 3,30
